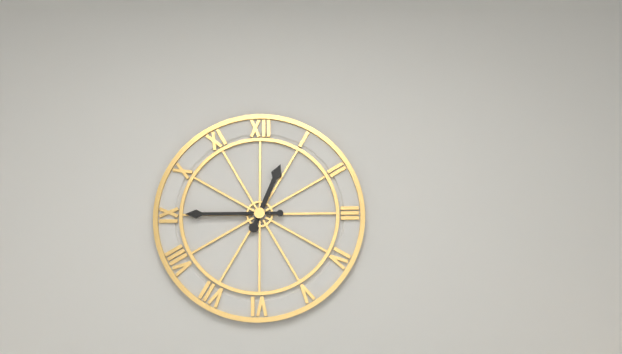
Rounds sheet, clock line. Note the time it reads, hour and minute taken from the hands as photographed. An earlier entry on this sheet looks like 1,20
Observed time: 12,45
